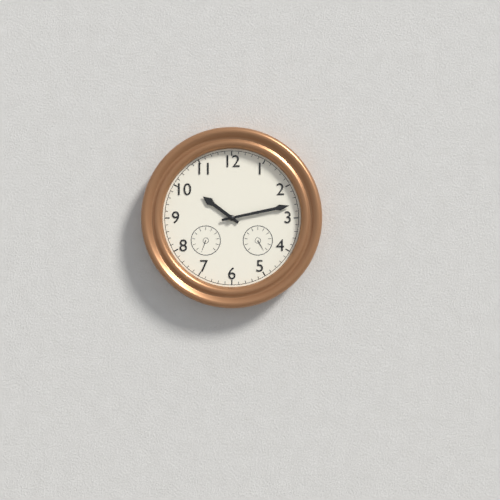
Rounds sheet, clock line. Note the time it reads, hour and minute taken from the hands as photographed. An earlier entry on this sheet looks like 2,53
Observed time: 10,13
